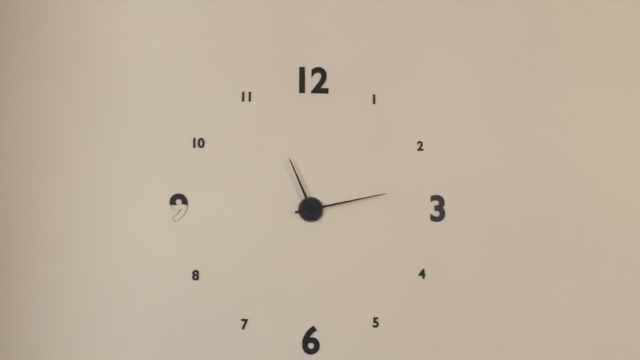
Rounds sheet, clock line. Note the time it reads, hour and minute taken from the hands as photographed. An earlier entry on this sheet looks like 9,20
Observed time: 11,13
